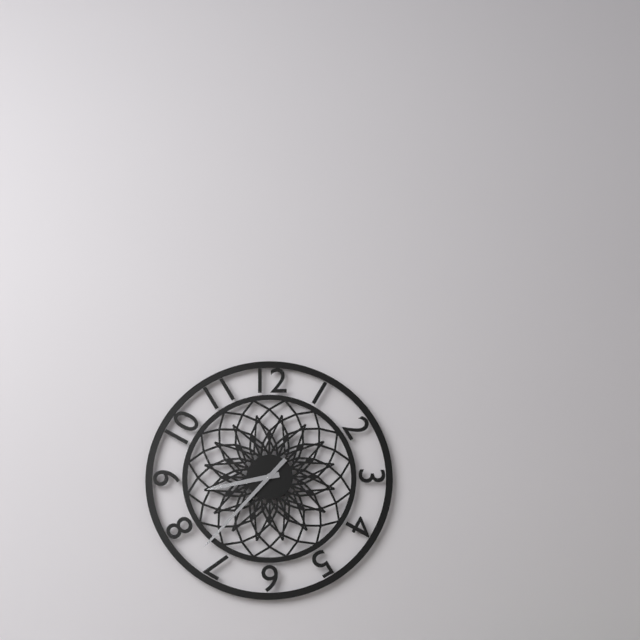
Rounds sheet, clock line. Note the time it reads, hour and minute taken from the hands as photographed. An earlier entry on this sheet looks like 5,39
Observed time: 8,37
